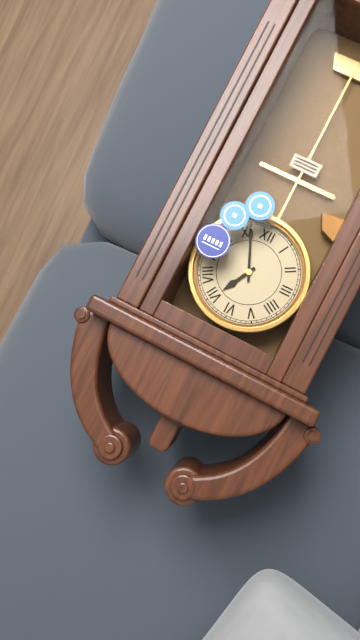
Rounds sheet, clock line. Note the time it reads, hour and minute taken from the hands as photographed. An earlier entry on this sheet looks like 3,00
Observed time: 6,56
